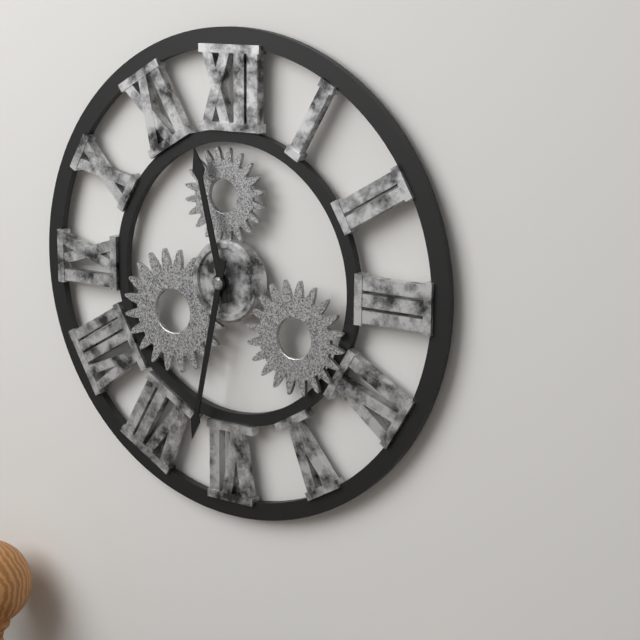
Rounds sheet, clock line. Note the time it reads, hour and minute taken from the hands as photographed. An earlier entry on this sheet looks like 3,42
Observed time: 11,32
